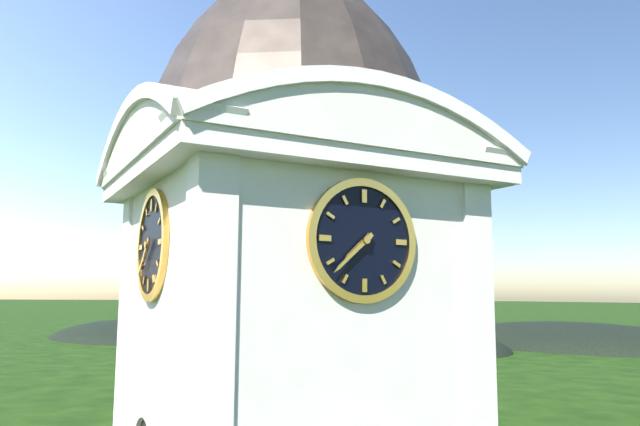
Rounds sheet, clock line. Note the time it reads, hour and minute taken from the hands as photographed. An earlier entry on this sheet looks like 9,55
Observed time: 7,38
